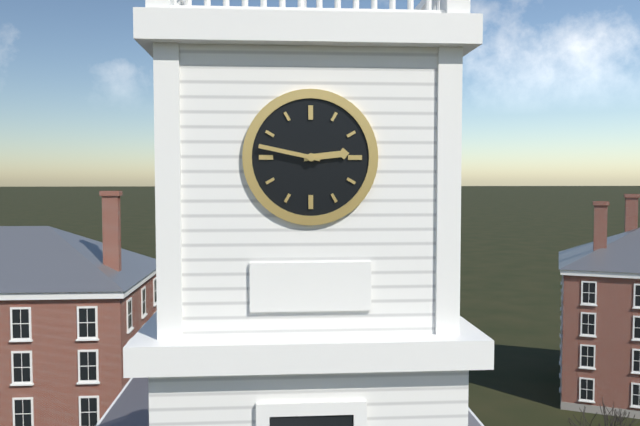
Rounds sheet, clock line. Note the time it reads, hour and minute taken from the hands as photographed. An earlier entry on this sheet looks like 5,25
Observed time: 2,47
